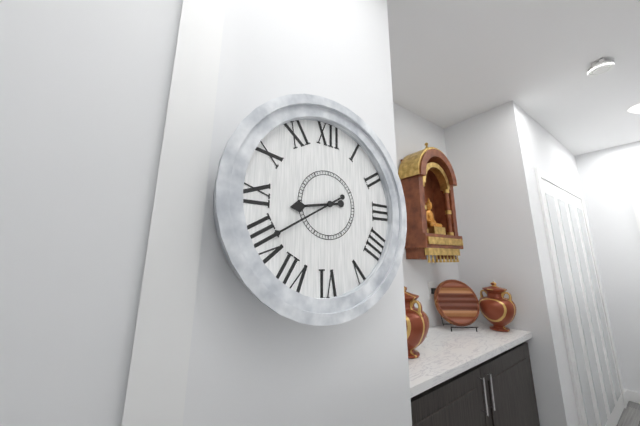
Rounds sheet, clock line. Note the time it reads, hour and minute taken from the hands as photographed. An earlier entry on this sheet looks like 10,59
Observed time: 8,40
